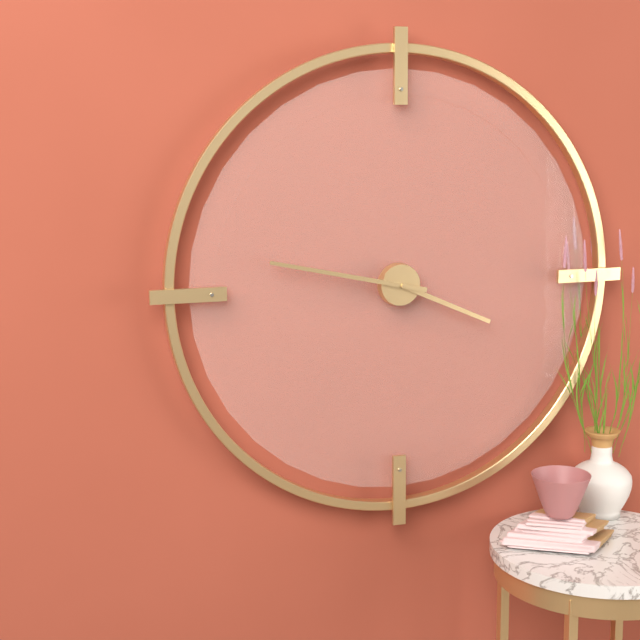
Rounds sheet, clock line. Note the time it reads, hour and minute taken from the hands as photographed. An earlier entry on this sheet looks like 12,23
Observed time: 3,47
